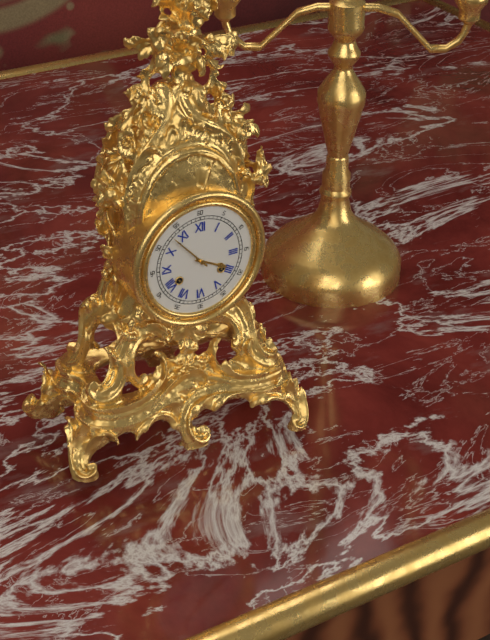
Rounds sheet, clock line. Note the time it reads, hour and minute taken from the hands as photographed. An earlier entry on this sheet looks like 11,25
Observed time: 3,53
